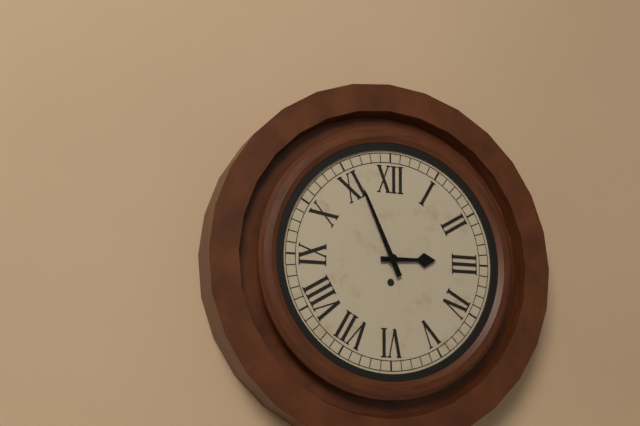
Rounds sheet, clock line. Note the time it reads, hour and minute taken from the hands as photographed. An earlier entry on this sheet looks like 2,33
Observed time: 2,56
